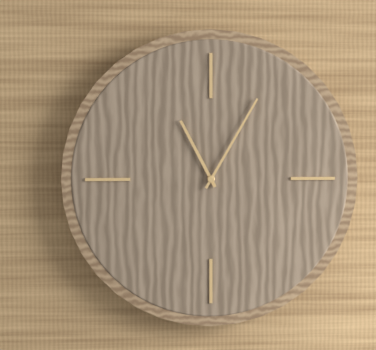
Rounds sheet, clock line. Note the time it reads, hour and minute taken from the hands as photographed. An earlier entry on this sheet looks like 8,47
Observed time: 11,05
